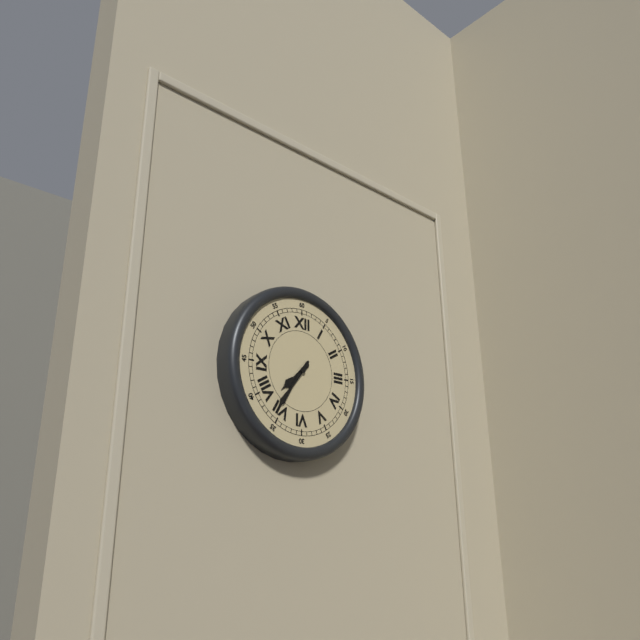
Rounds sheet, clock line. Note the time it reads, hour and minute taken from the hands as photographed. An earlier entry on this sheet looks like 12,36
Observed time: 7,36
